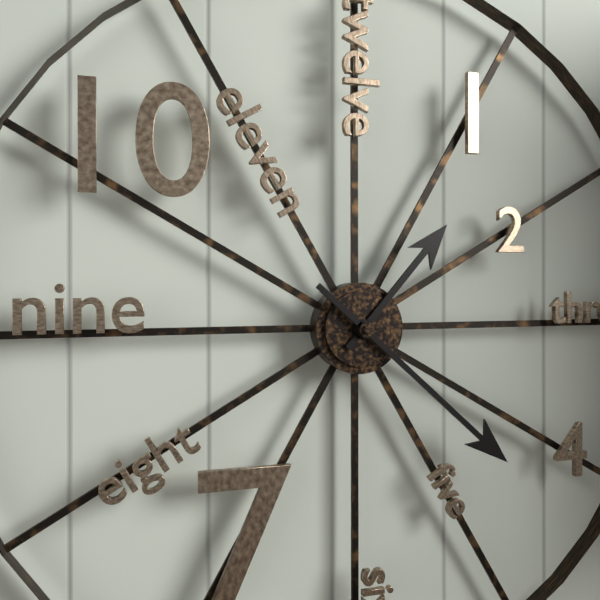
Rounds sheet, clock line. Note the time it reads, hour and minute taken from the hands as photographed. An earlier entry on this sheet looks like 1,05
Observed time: 1,22
